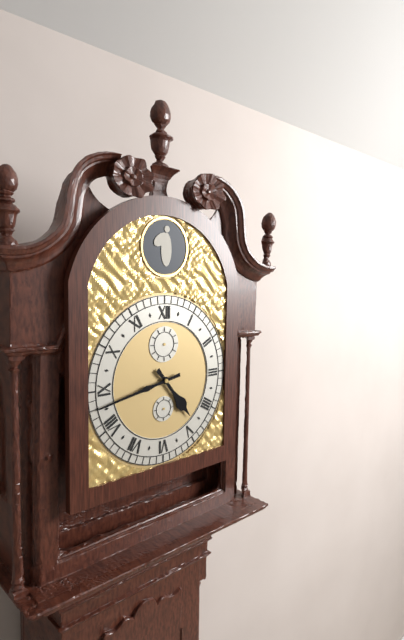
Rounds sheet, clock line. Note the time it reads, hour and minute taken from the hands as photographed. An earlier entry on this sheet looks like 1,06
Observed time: 4,43
